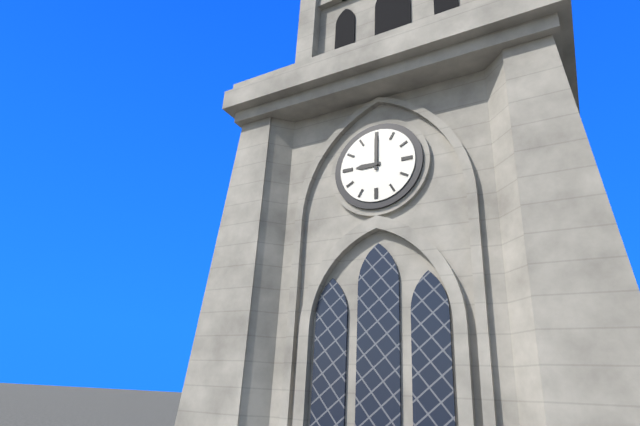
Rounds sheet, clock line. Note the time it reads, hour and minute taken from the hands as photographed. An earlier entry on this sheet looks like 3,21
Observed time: 9,00
